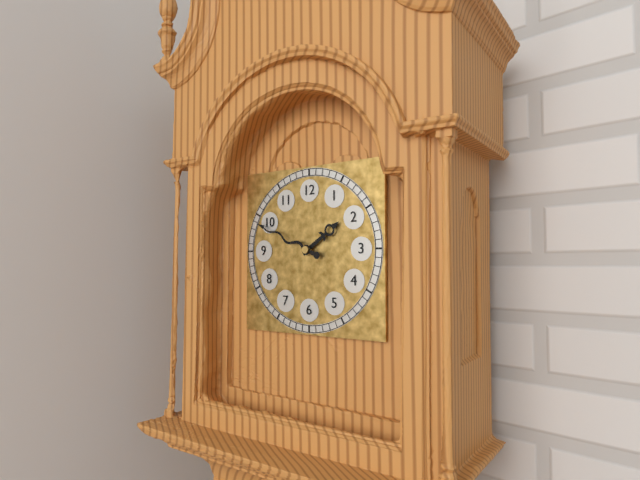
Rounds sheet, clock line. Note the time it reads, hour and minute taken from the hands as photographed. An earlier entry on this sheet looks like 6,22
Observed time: 1,49
